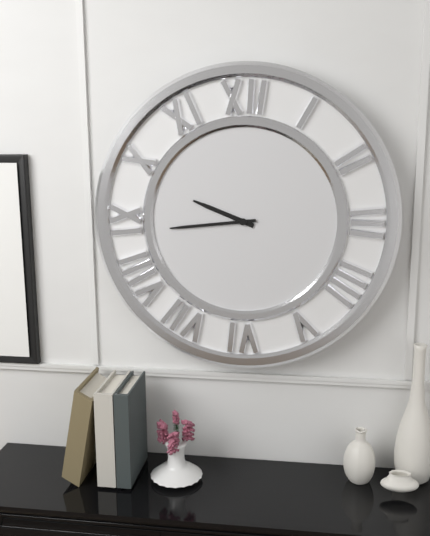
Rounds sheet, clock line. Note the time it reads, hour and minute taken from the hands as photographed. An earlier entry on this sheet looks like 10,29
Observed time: 9,44
